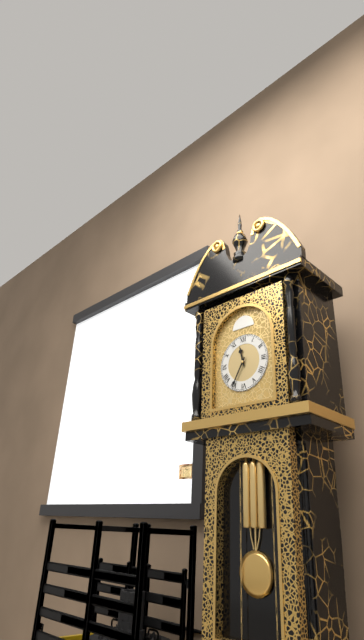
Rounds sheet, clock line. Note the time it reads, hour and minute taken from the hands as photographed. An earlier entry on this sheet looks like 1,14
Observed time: 11,35
